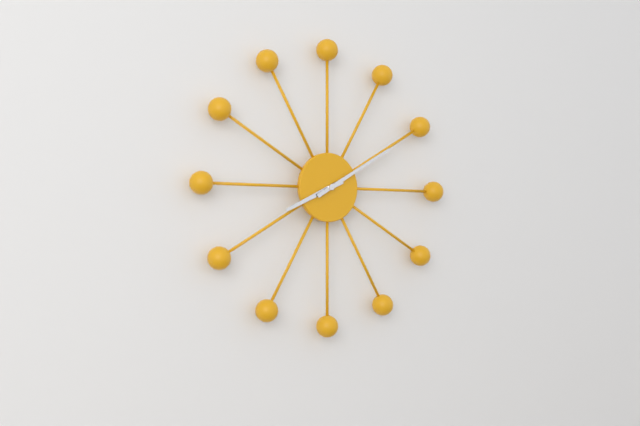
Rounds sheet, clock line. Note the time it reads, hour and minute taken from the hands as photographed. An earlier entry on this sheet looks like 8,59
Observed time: 8,10
